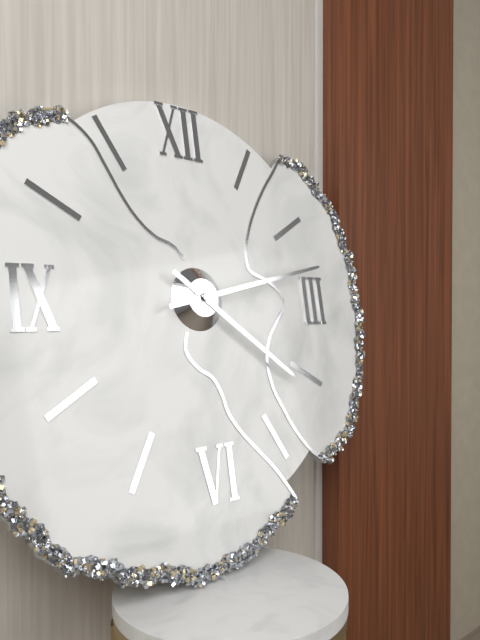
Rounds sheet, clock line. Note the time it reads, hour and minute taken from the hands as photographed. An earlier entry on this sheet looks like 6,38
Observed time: 4,13
